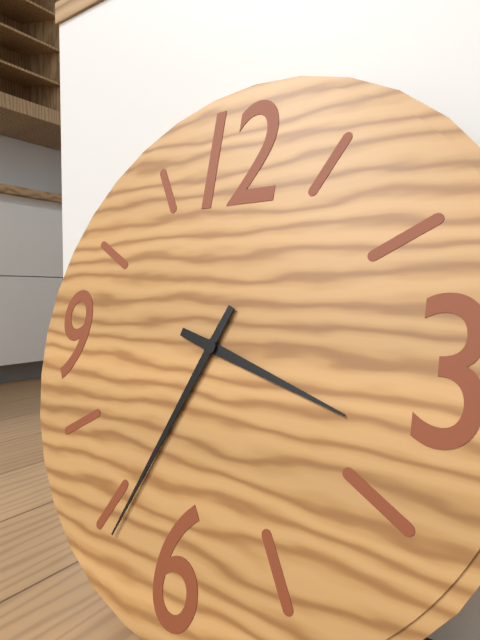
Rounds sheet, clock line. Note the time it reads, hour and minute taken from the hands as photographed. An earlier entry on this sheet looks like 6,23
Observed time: 3,34
